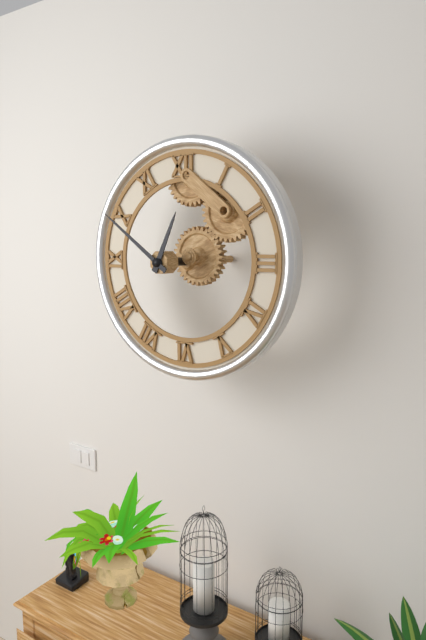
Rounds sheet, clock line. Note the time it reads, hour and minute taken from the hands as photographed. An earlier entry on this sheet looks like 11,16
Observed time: 12,51
